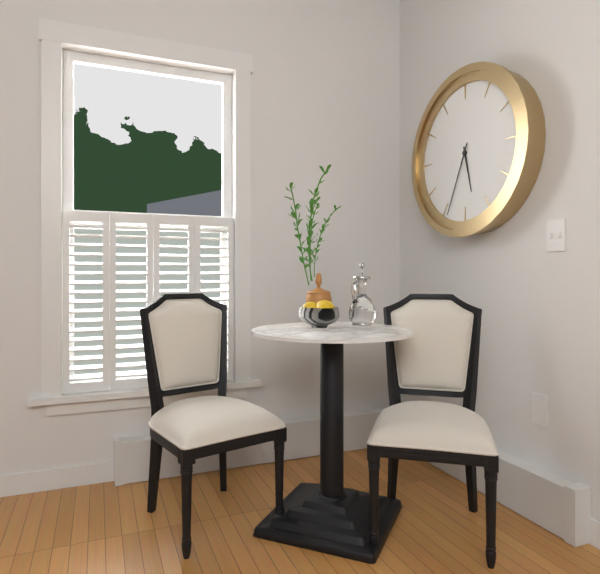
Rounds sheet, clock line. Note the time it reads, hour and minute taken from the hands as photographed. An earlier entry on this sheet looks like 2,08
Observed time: 5,34
